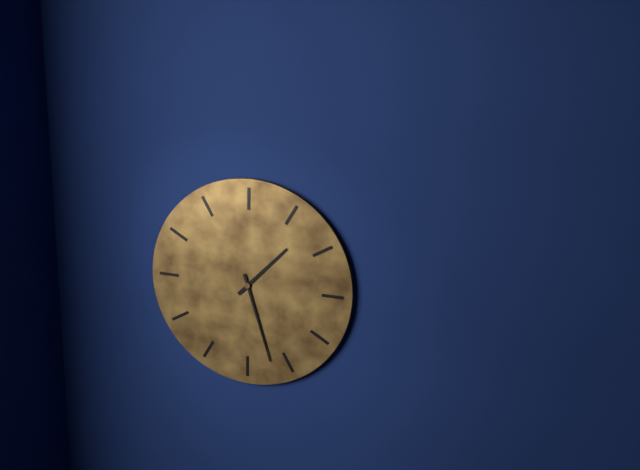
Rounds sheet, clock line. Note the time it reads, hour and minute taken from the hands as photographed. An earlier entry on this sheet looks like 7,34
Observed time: 1,27
